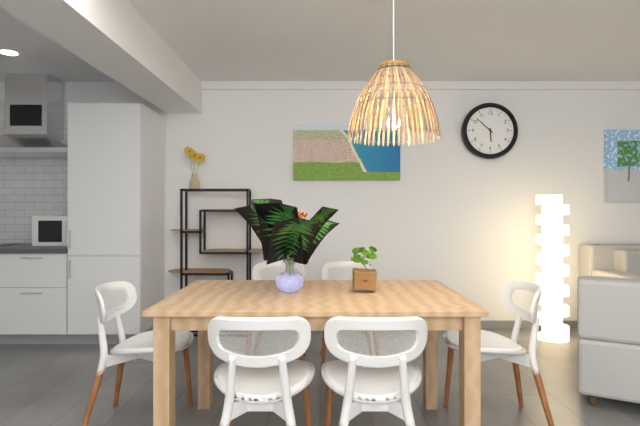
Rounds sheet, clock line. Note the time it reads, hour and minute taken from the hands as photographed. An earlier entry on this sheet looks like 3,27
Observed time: 5,52
